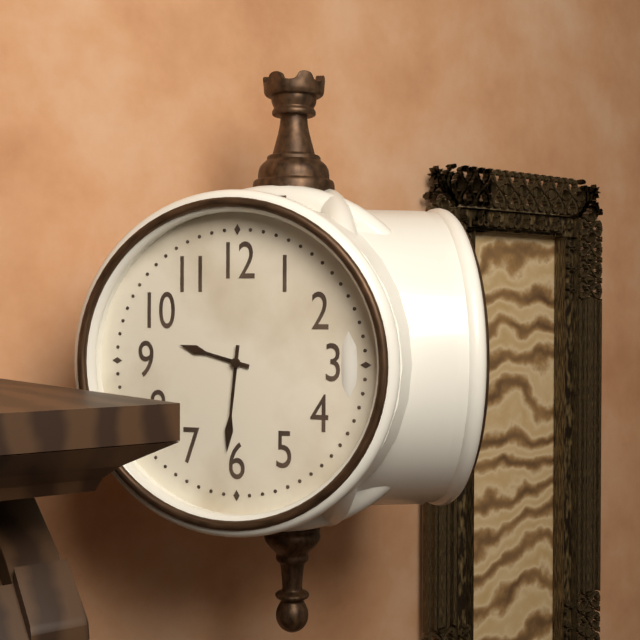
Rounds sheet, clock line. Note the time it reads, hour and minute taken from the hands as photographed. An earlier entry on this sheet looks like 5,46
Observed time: 9,31
